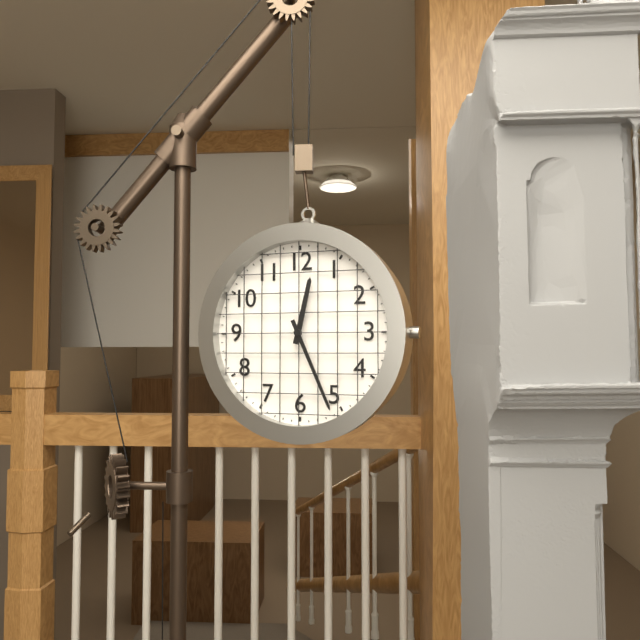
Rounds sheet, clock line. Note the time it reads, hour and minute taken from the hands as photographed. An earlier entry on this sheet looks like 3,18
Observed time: 12,26
